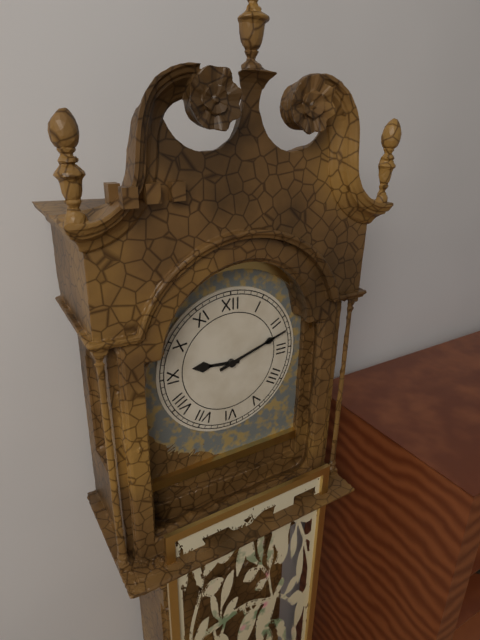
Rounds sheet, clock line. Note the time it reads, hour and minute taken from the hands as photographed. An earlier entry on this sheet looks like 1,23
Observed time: 9,12
